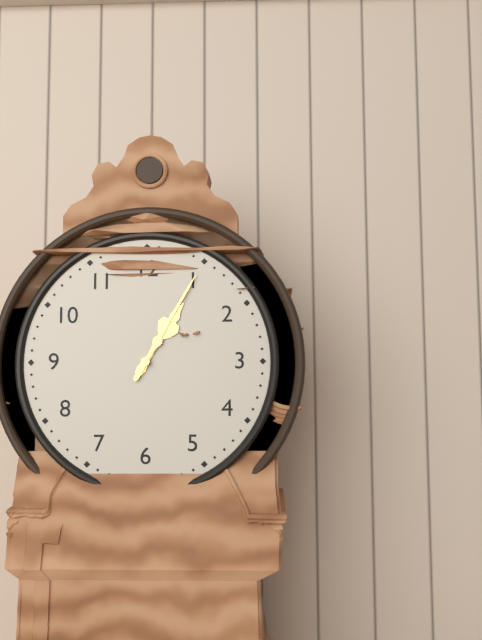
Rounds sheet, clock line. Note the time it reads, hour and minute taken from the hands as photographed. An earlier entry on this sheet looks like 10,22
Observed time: 1,05
